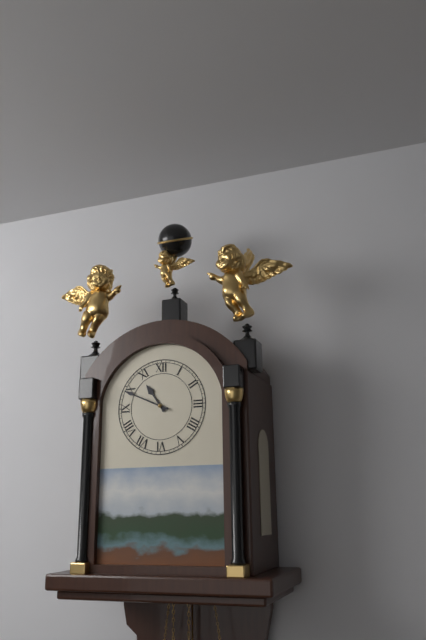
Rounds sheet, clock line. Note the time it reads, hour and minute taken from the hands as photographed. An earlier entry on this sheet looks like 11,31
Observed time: 10,49
